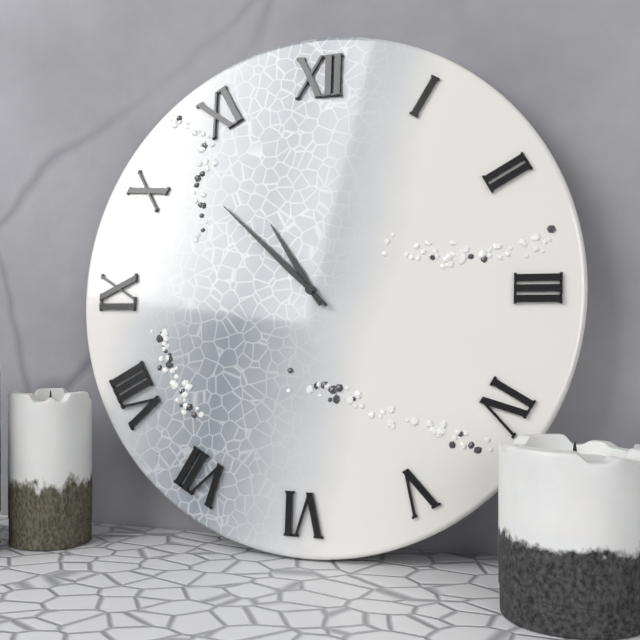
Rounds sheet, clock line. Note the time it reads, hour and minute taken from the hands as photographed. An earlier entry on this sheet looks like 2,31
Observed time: 10,52
